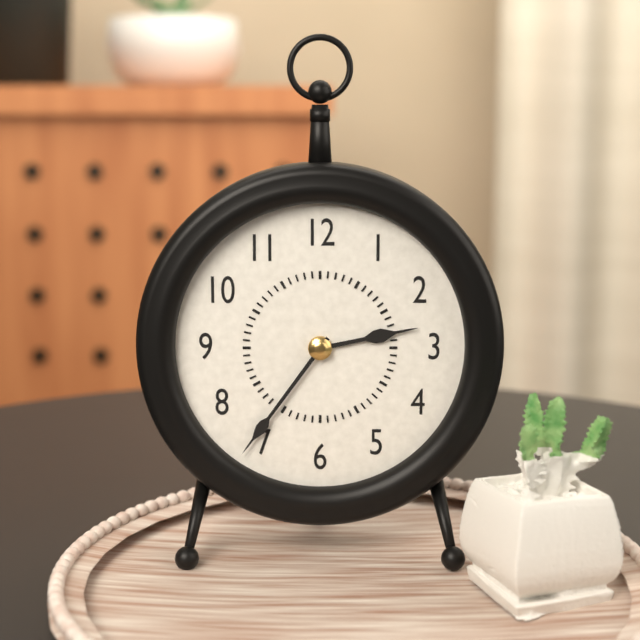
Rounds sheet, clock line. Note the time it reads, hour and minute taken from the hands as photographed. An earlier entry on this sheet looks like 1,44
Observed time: 2,36
